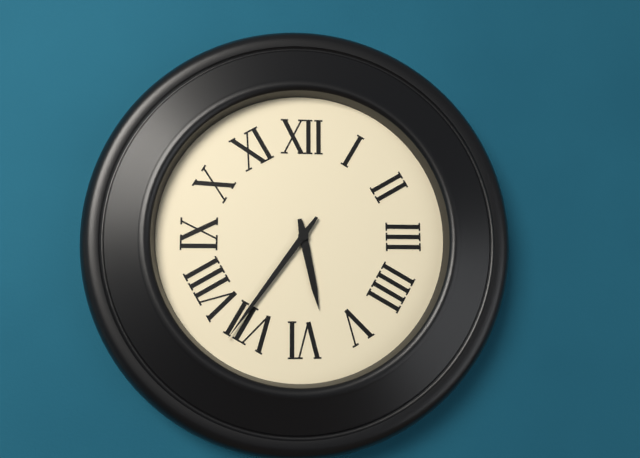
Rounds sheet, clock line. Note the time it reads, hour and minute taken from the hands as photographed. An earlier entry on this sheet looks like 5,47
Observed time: 5,36
